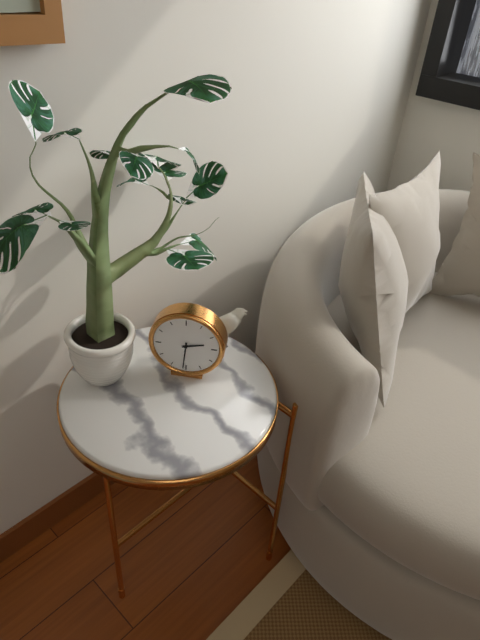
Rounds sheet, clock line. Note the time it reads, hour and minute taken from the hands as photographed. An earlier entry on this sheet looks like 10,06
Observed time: 2,31
